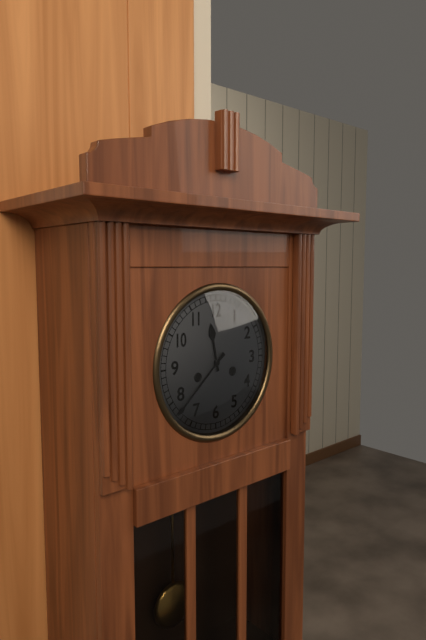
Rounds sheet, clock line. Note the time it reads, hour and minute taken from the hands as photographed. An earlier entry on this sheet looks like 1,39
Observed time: 11,38
